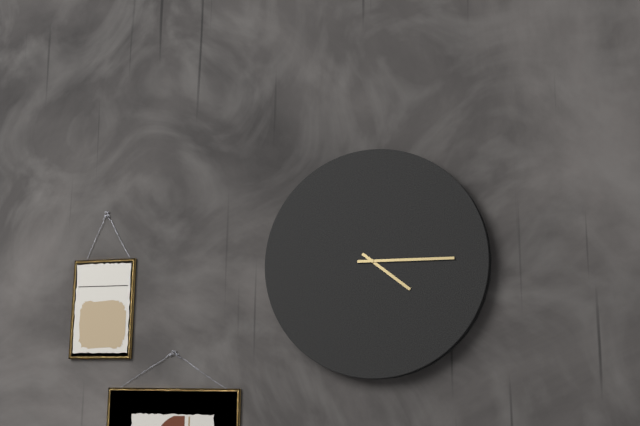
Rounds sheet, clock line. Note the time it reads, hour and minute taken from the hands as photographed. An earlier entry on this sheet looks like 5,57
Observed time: 4,15
